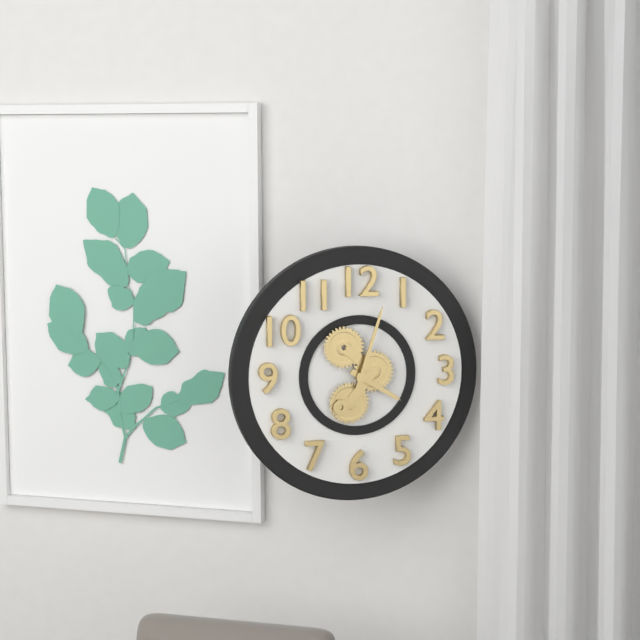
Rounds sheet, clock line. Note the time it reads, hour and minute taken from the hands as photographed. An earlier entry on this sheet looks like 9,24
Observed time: 4,03
